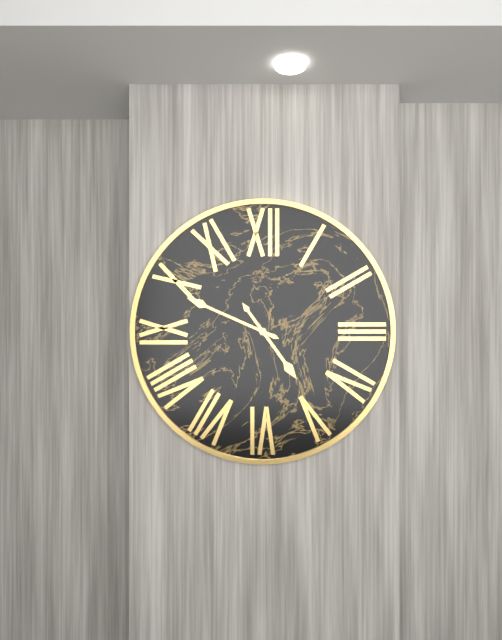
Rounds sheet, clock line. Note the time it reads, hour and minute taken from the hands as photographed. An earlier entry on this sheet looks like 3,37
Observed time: 4,49
